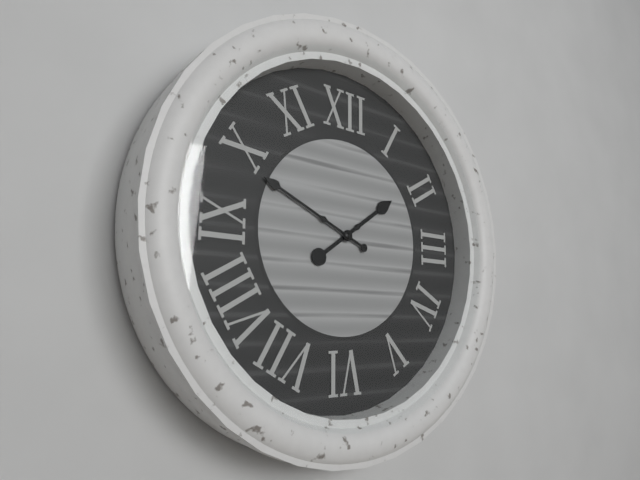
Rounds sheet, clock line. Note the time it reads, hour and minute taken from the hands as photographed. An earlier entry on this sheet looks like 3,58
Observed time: 1,49
